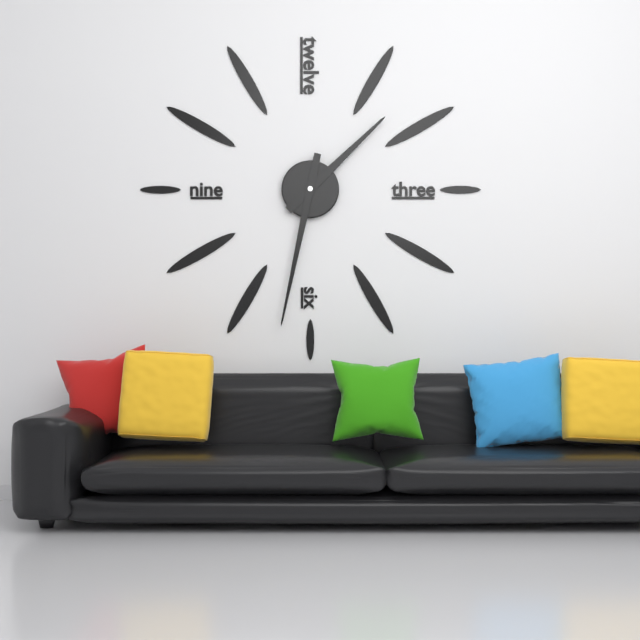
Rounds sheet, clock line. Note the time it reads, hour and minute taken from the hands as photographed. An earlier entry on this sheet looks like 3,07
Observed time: 1,32
